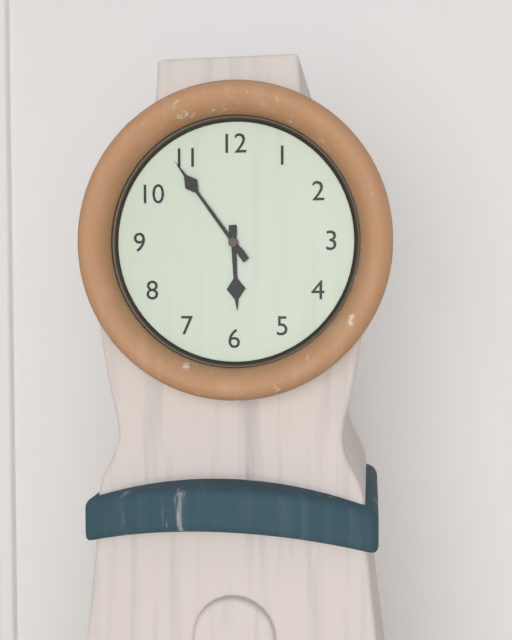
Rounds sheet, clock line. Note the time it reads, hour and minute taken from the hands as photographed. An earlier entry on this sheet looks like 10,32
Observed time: 5,54
